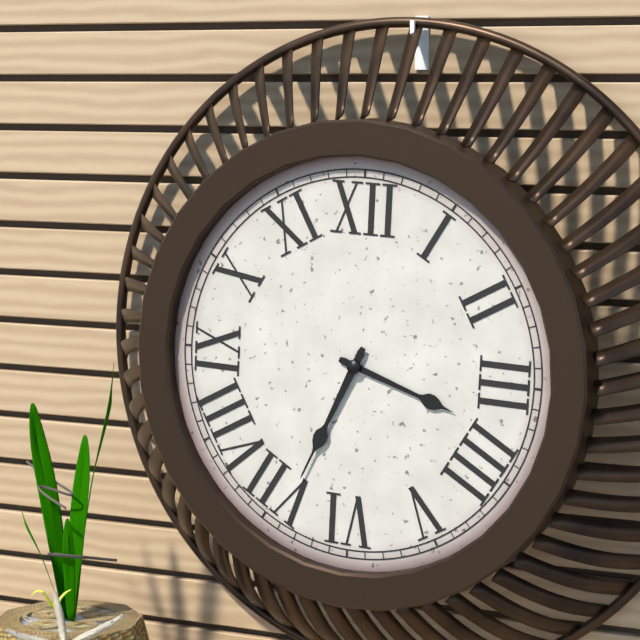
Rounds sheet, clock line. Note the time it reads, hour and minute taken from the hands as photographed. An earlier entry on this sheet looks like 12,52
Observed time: 3,34
